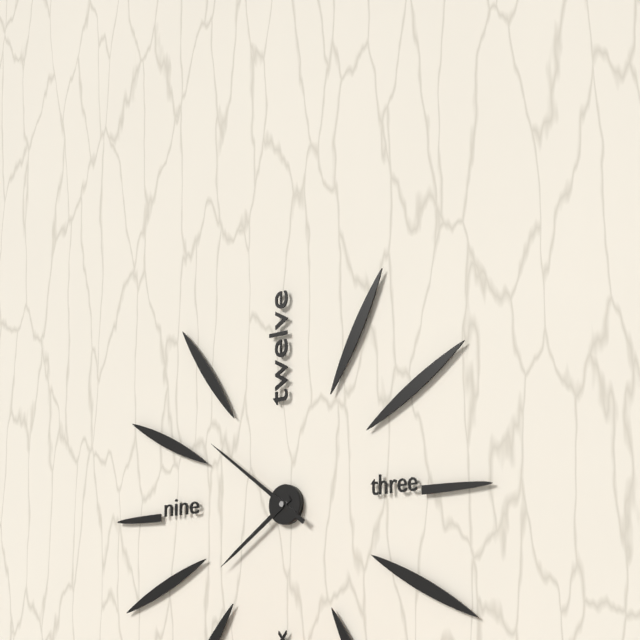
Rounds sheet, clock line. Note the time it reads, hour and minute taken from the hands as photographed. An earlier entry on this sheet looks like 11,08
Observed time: 7,51
